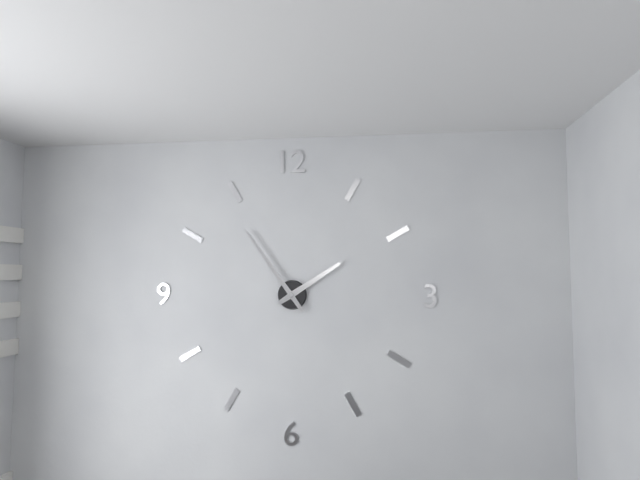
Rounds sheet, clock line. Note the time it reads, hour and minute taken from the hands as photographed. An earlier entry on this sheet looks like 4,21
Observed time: 1,54
